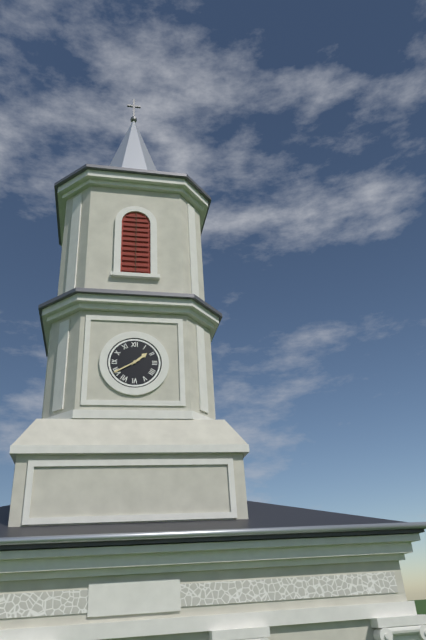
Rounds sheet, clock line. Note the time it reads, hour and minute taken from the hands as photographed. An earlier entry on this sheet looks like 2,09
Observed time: 1,40
